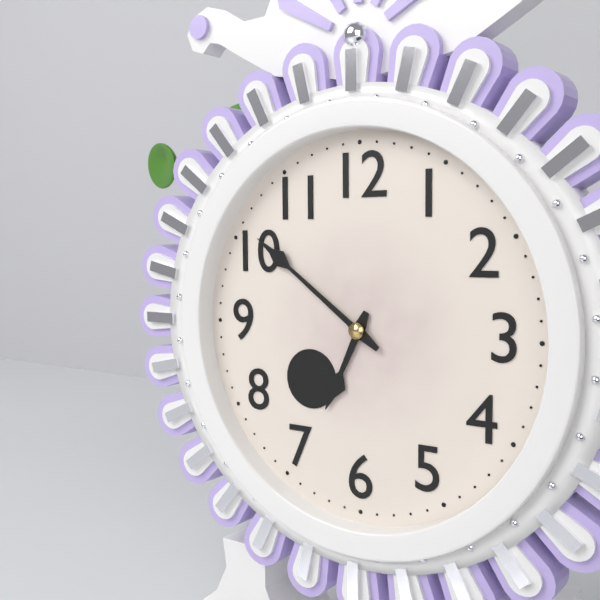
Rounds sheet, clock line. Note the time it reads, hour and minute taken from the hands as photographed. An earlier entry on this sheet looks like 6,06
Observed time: 6,51
